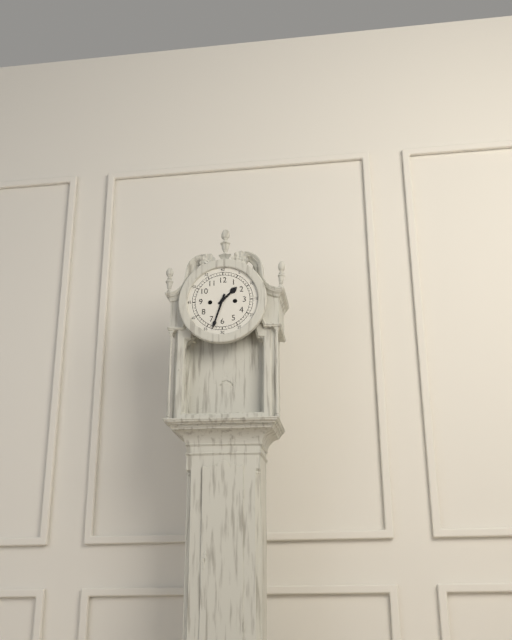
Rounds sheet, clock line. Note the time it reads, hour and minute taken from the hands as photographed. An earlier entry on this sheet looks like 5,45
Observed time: 1,33
